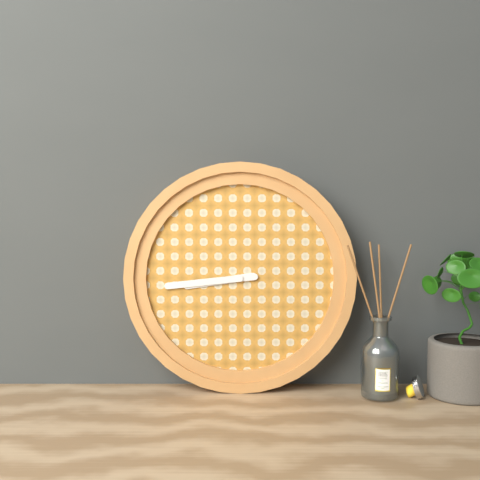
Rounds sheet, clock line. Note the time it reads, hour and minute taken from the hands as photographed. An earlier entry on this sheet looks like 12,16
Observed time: 8,44
